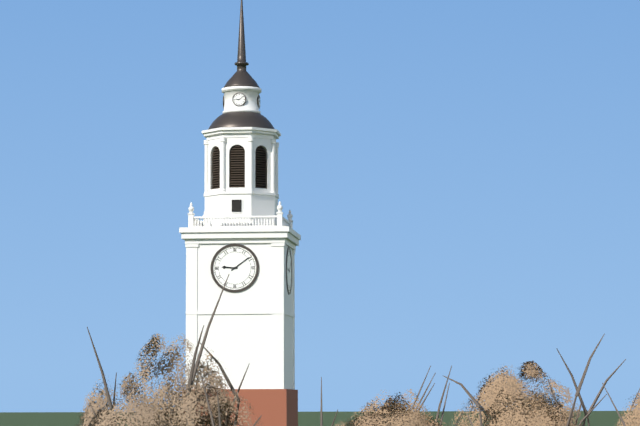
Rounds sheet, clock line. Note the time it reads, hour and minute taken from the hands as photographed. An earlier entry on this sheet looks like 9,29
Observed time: 9,09
